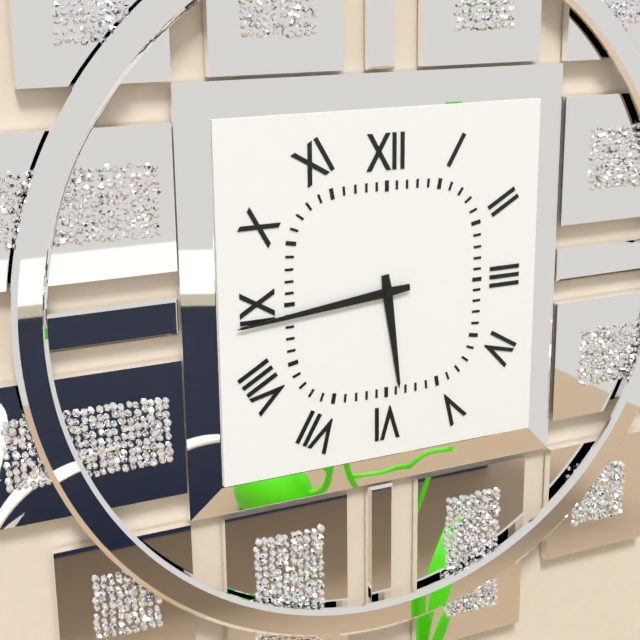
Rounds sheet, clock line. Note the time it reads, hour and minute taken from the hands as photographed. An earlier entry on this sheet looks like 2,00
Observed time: 5,44
